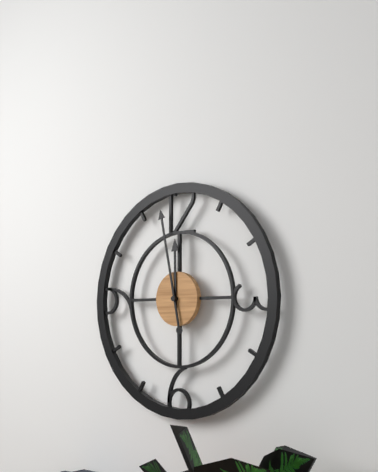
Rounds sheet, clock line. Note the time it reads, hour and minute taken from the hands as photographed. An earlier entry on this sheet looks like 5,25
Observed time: 11,58
